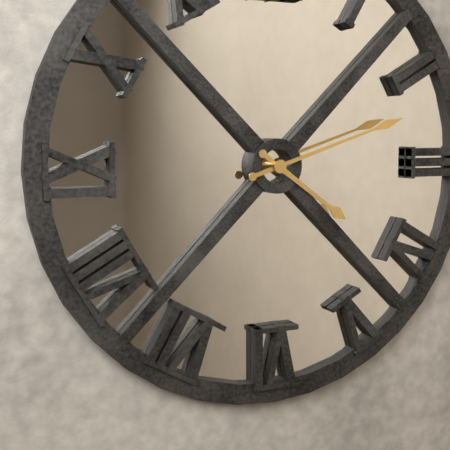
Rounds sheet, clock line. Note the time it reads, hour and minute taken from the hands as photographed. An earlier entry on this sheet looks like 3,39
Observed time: 4,12
